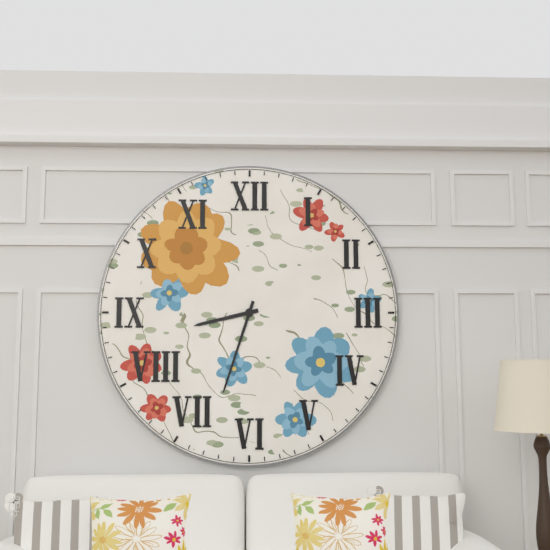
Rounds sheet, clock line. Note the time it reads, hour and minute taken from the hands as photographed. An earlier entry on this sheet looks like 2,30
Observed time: 8,33
